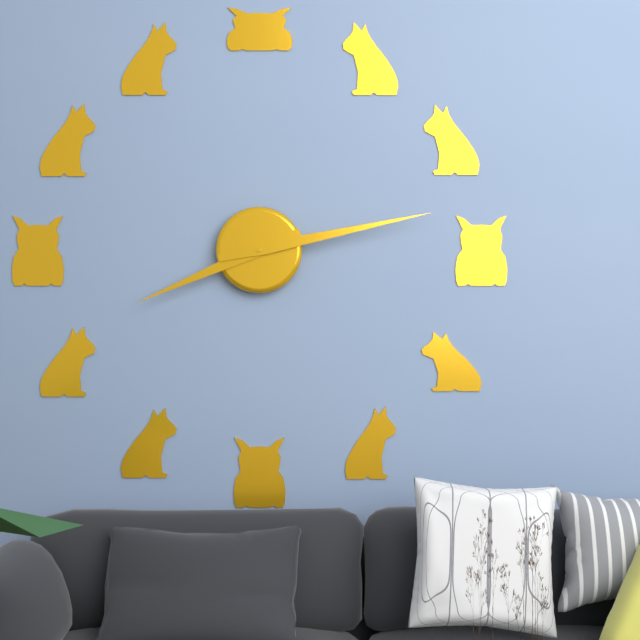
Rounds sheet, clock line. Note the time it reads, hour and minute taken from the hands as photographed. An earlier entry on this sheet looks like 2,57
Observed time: 8,13
